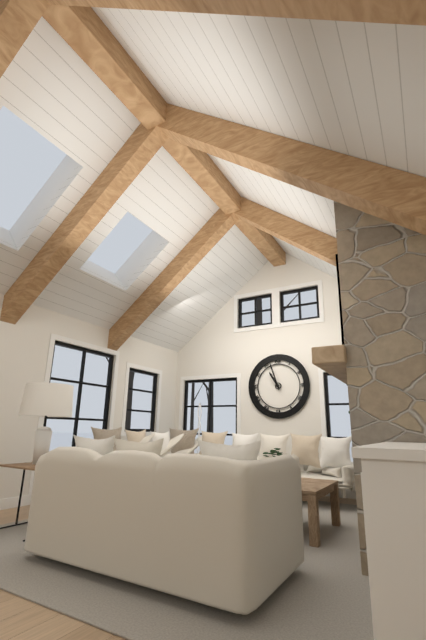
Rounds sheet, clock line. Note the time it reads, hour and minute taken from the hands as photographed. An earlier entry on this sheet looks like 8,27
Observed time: 10,57
